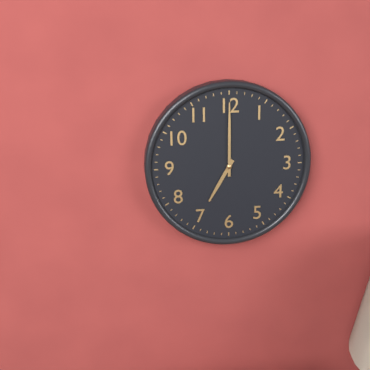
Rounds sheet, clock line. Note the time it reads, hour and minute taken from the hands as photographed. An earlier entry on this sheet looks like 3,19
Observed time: 7,00
